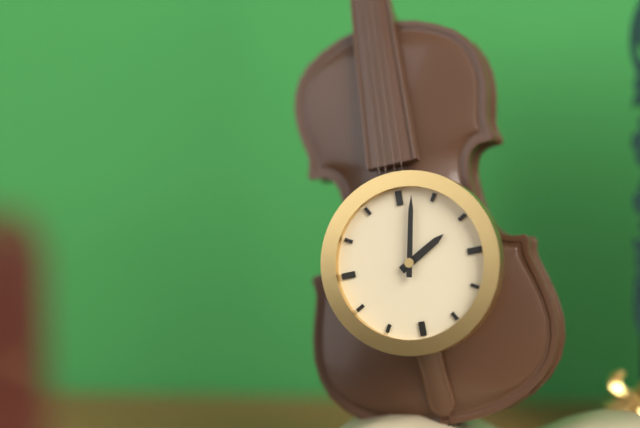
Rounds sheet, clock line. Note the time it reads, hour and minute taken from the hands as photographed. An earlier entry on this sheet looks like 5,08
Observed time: 2,02
